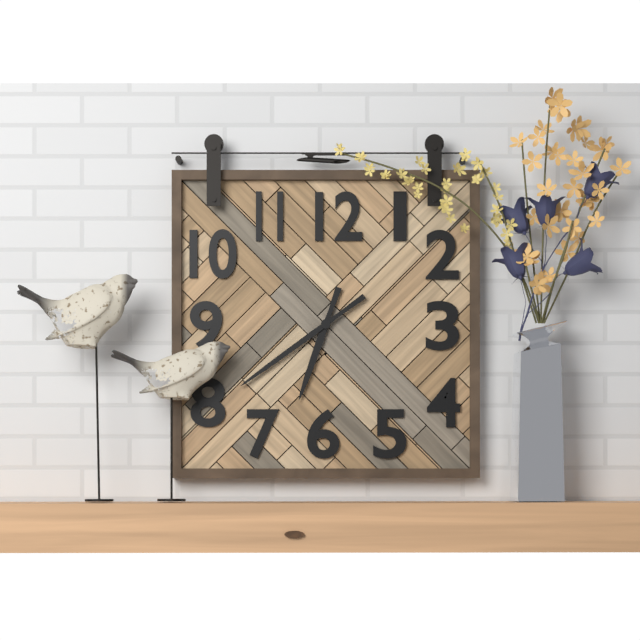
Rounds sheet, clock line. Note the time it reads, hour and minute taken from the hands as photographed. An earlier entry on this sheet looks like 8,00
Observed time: 6,39
